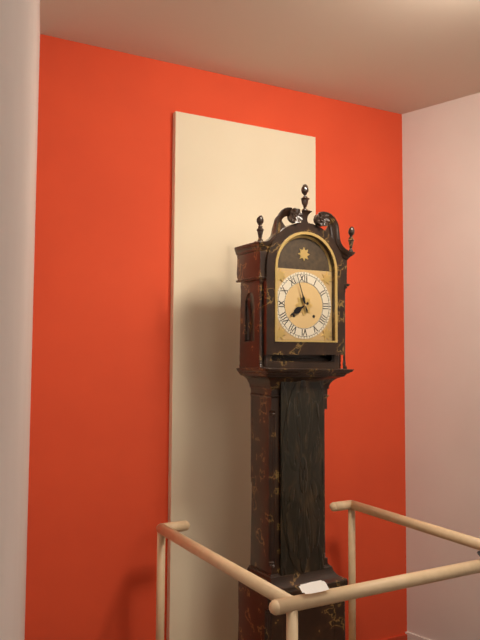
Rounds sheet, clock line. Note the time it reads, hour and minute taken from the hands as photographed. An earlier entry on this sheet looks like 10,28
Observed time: 7,57
